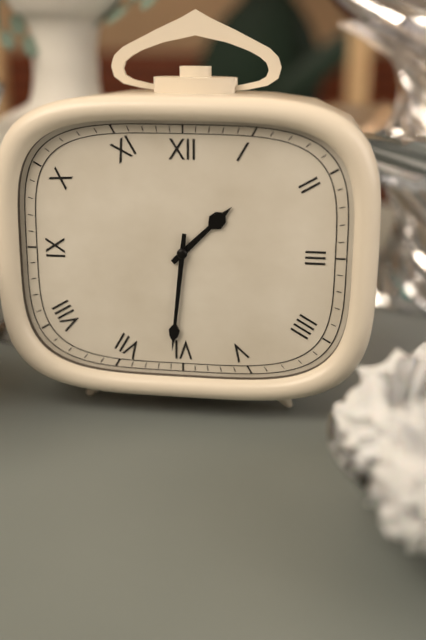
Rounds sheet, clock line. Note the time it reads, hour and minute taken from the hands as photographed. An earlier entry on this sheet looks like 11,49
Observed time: 1,31
